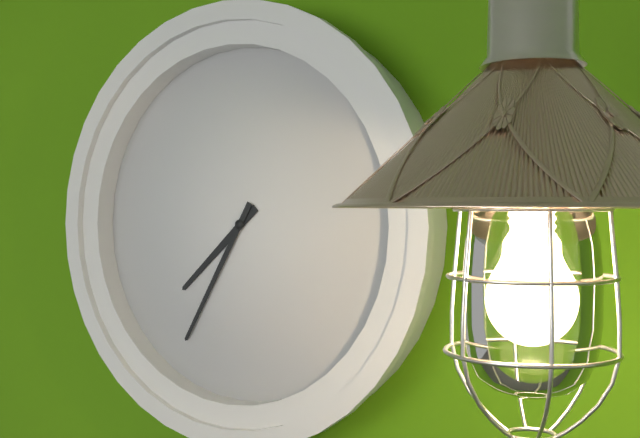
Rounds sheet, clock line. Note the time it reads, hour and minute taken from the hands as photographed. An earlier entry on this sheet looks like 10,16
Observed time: 7,35
